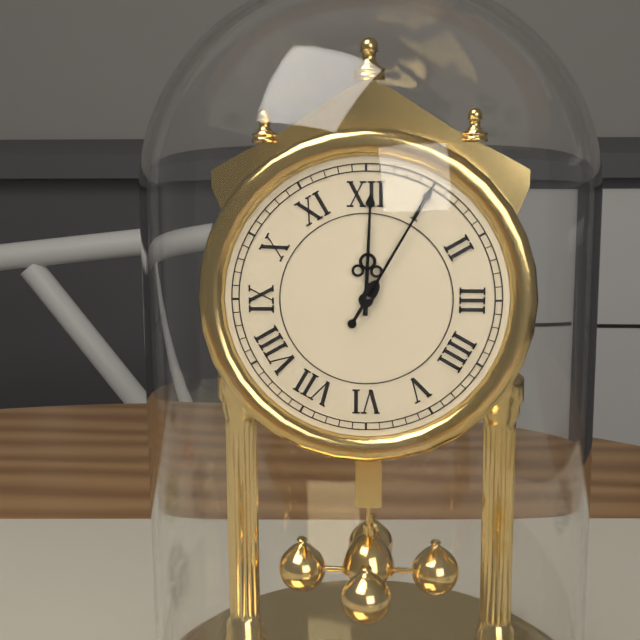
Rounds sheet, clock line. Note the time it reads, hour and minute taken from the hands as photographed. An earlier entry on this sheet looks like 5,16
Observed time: 12,05
